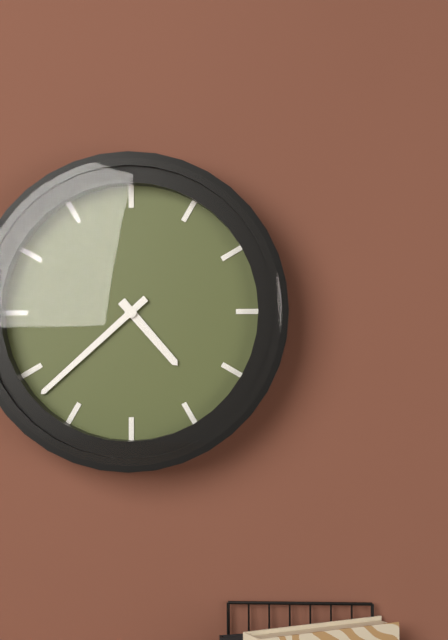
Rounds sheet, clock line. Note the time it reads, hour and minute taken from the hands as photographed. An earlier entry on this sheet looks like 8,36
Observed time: 4,38
